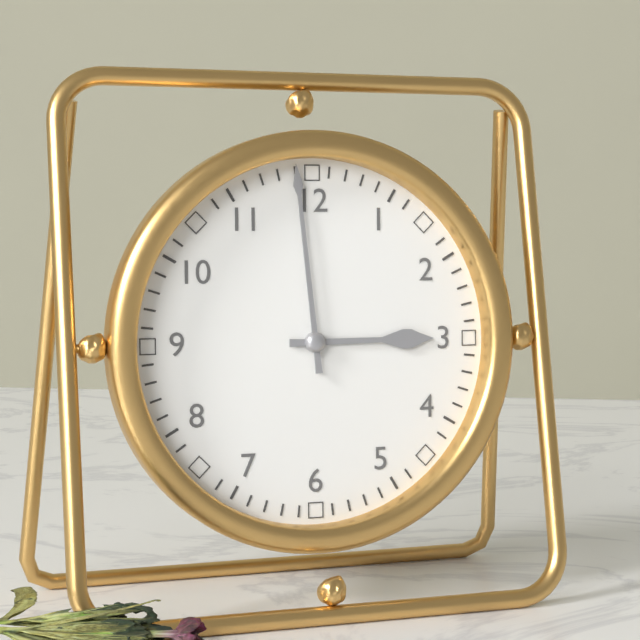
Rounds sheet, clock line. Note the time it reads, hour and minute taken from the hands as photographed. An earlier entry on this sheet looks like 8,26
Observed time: 2,59
